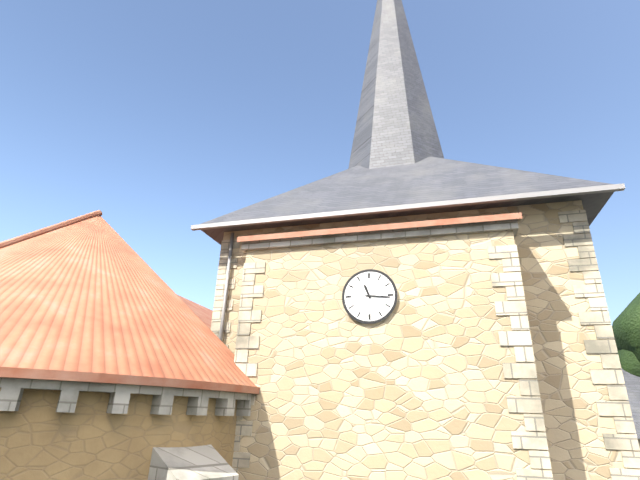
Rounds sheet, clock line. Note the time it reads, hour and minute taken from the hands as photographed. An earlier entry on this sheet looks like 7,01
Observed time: 11,16
